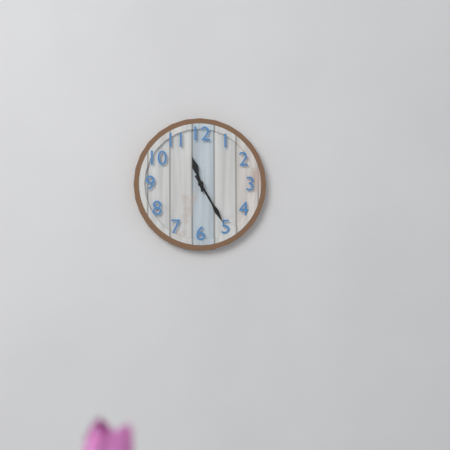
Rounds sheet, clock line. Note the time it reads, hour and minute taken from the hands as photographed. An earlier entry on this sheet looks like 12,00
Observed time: 11,25
